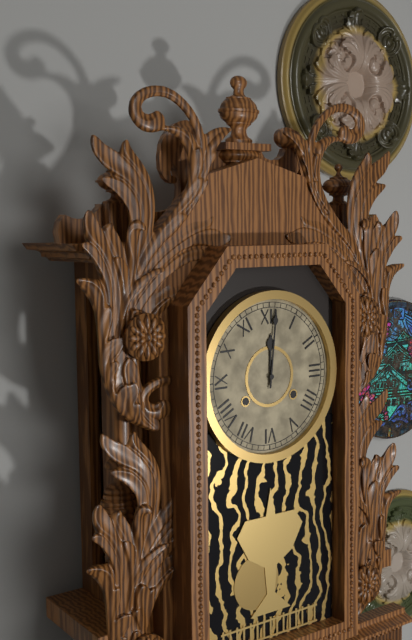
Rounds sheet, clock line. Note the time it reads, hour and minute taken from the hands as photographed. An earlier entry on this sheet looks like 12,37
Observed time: 12,01
